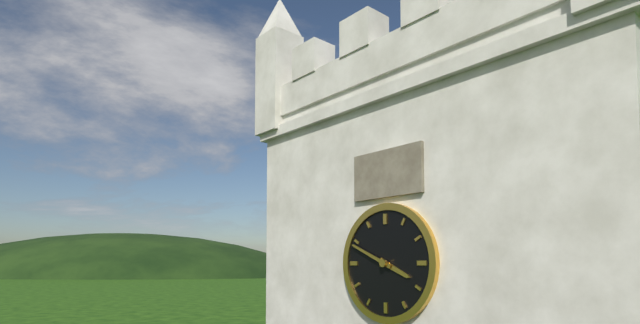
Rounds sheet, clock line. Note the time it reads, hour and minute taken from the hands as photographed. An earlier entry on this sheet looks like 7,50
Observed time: 3,49
